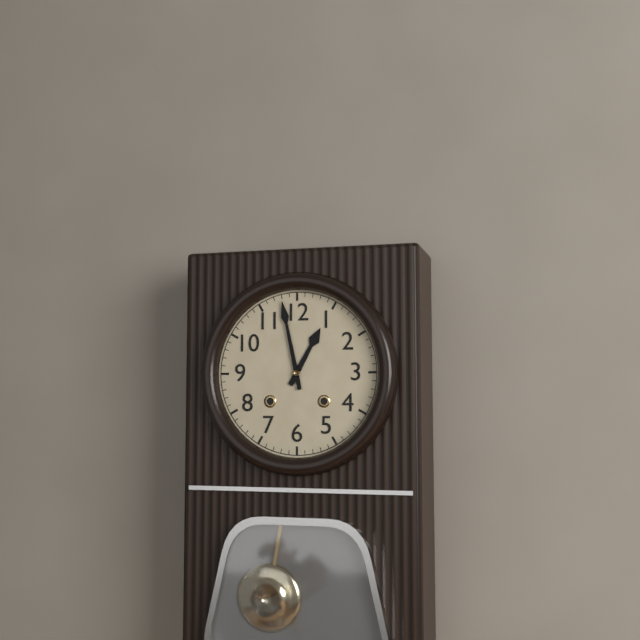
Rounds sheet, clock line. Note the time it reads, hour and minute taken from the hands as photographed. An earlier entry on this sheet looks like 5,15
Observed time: 12,58
